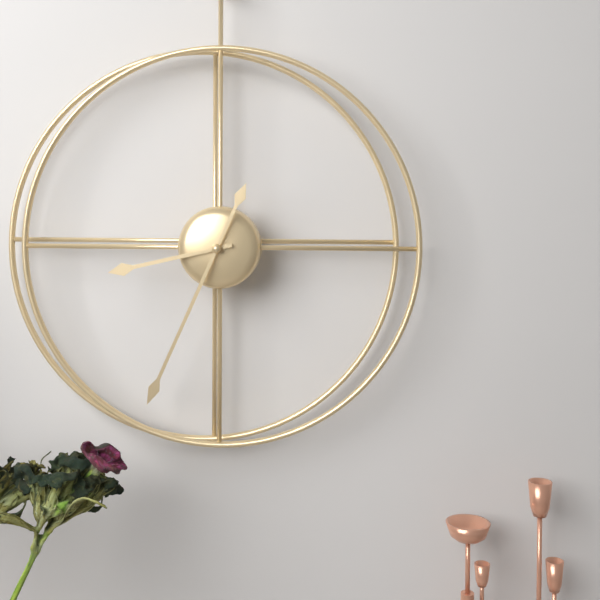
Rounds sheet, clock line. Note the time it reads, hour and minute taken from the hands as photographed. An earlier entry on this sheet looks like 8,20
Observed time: 8,34
